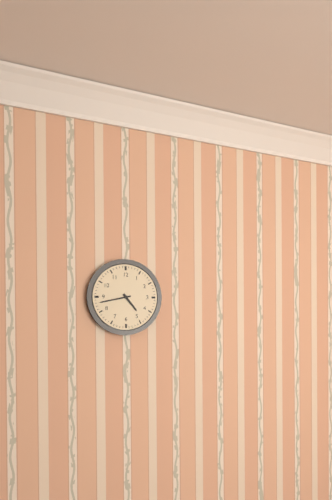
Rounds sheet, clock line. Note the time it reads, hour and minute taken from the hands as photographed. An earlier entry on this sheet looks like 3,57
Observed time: 4,43
